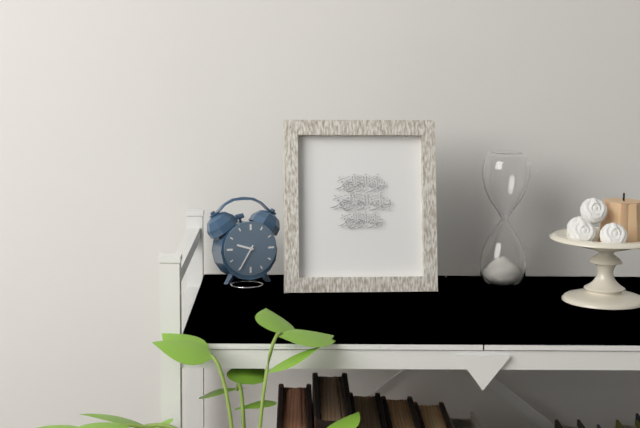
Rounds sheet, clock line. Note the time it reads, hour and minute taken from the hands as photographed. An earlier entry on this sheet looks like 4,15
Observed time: 9,35
